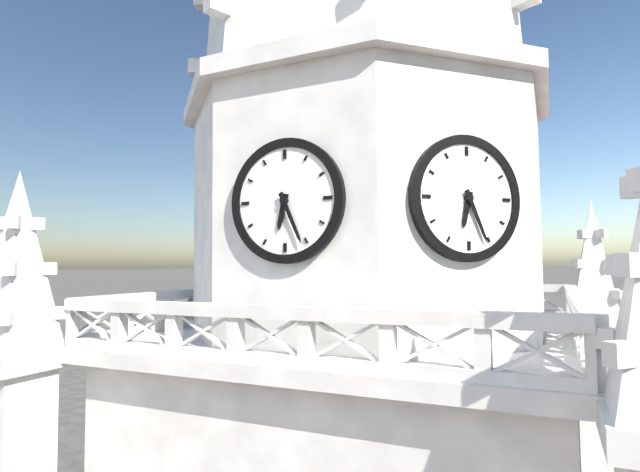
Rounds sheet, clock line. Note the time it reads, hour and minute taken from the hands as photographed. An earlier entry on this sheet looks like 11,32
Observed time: 6,26
